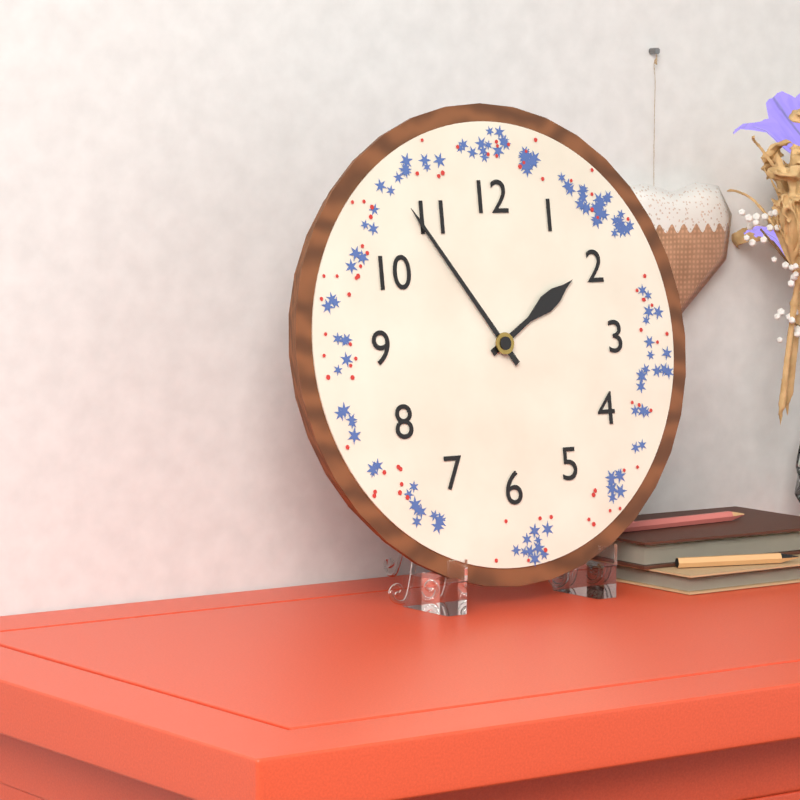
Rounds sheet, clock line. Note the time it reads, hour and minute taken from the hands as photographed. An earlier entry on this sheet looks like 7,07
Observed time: 1,54
